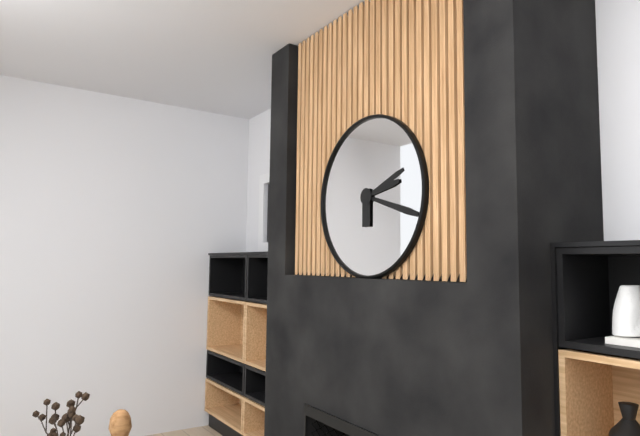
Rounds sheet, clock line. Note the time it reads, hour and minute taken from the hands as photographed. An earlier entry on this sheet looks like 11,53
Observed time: 2,18
